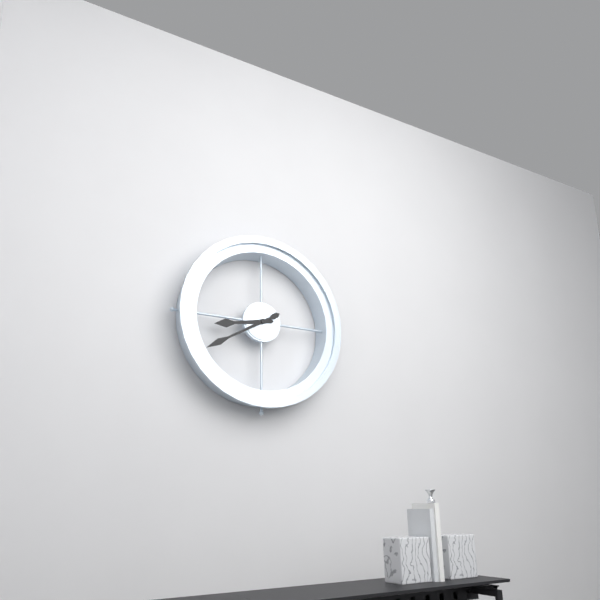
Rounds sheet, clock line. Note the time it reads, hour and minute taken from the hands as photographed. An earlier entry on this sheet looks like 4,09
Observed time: 8,40
